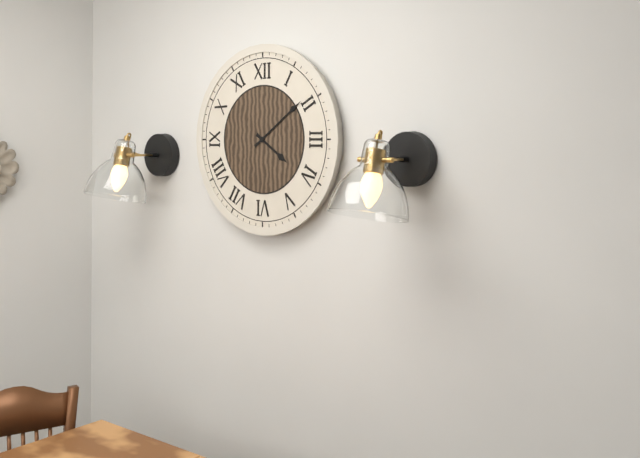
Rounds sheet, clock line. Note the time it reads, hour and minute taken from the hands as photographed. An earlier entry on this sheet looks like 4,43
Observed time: 4,09
